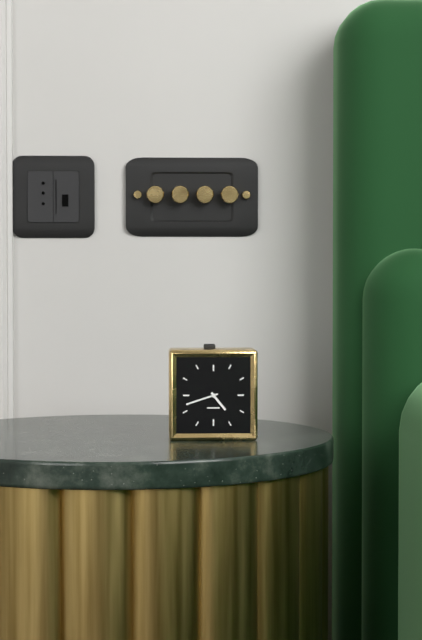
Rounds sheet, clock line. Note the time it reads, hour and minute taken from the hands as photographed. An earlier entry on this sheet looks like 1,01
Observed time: 4,42
